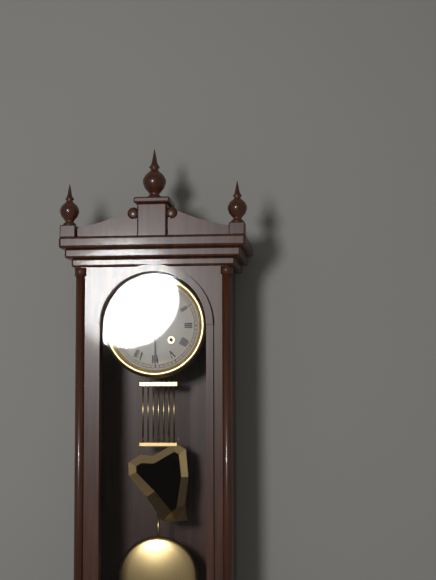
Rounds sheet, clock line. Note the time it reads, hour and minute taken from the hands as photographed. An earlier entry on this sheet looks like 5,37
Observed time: 9,30
